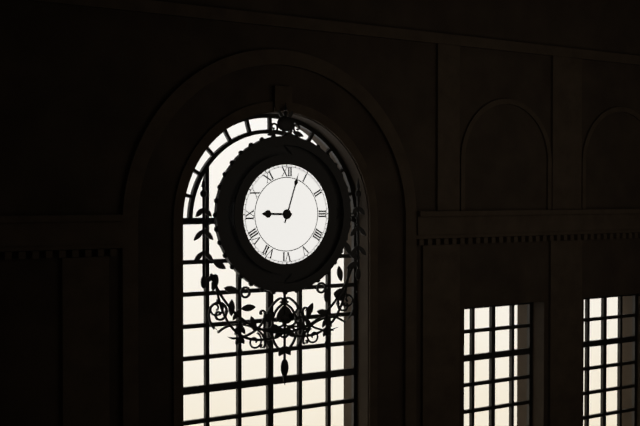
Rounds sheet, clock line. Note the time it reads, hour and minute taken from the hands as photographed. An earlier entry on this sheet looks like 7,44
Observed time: 9,03
